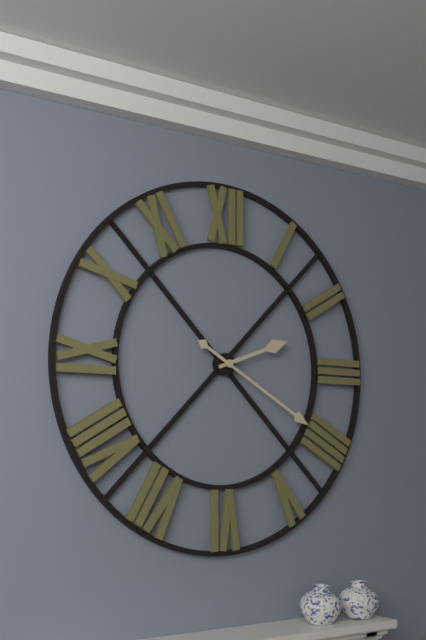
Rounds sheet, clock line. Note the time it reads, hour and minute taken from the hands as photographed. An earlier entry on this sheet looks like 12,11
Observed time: 2,20
